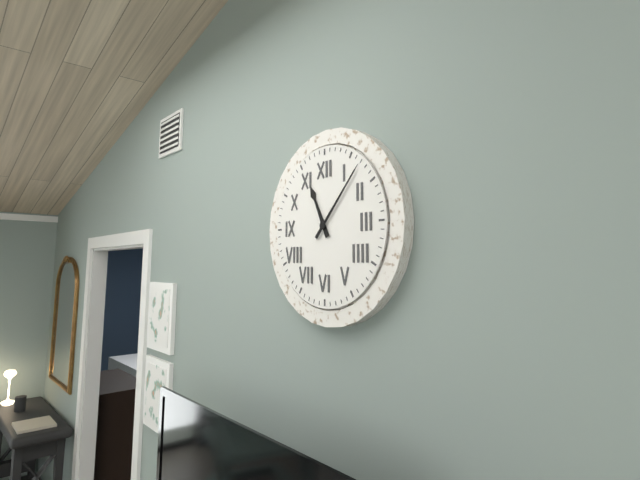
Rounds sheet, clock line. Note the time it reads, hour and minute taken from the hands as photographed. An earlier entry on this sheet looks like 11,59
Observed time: 11,07
